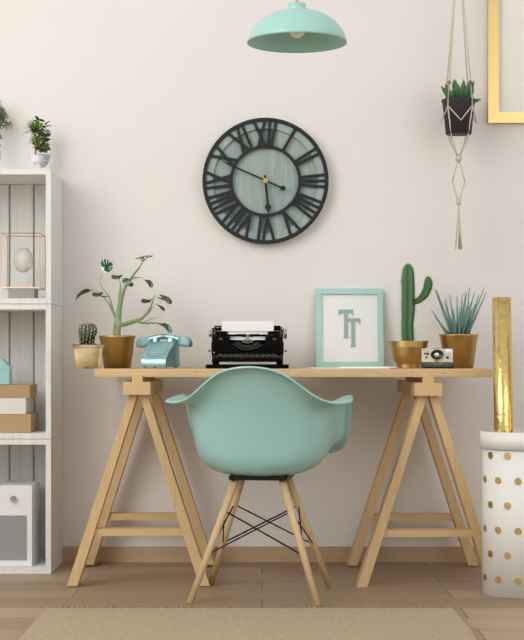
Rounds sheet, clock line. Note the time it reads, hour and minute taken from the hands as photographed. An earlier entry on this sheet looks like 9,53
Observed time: 5,49
